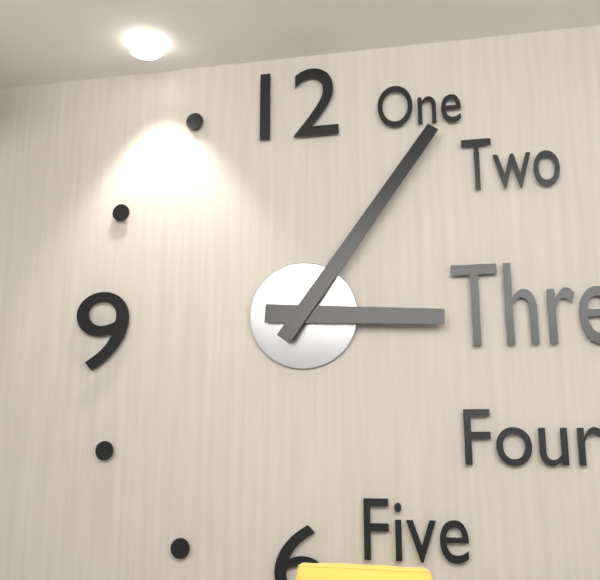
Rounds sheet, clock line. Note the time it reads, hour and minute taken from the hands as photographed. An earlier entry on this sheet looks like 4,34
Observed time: 3,06
